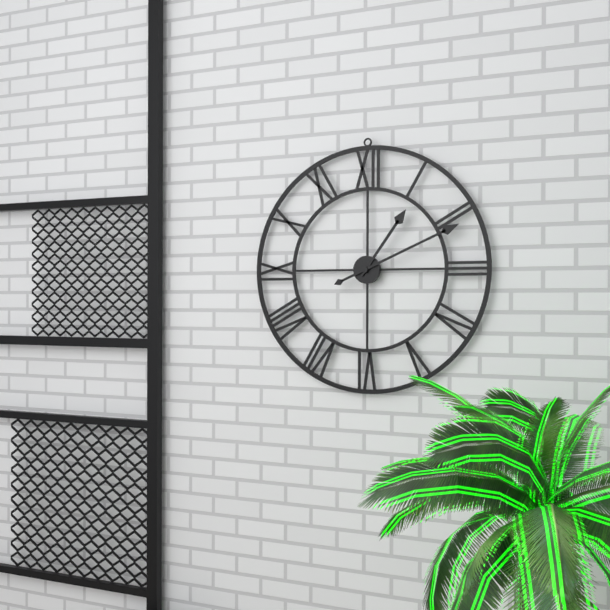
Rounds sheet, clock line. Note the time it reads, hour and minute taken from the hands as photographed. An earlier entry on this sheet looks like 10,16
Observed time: 1,11
